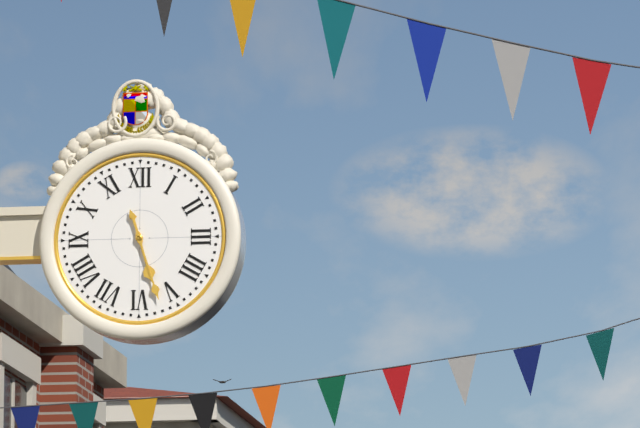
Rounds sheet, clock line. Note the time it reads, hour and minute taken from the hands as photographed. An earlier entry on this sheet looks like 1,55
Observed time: 5,27
